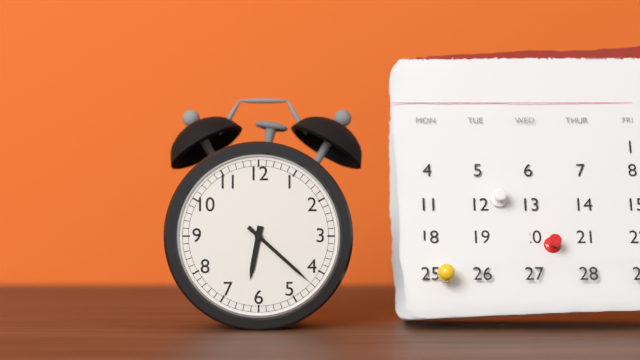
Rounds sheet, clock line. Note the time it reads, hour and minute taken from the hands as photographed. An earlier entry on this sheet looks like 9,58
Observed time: 6,22
